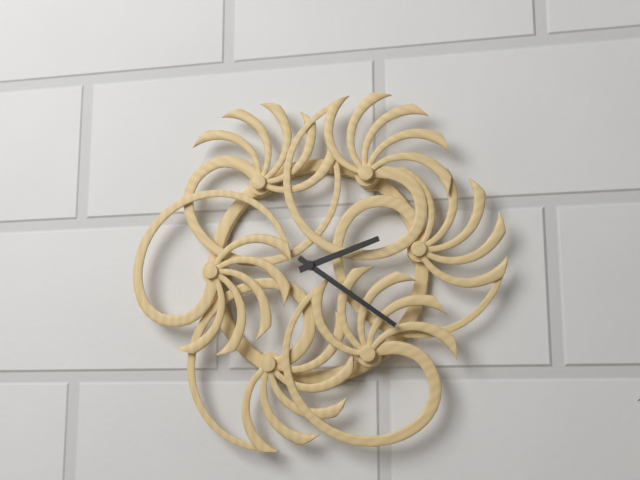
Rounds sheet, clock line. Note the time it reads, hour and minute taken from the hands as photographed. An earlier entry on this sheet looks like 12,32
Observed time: 2,21
